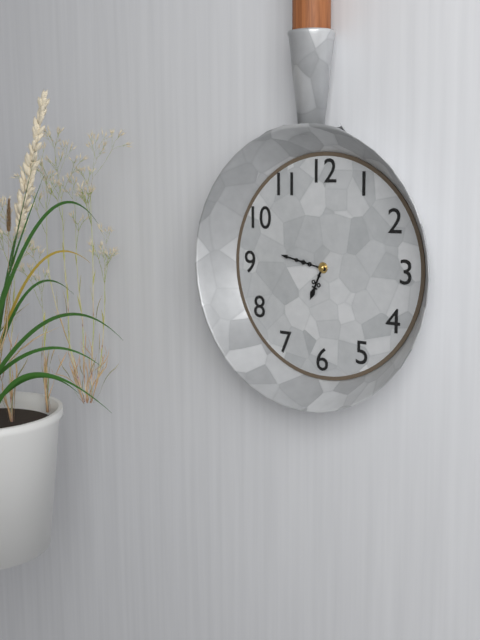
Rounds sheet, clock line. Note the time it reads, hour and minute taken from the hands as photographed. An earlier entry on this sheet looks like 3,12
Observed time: 6,47
